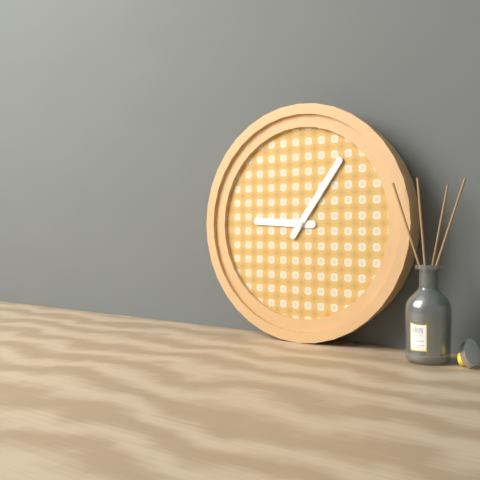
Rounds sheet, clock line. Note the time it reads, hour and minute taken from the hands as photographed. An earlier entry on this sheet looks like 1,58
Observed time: 9,06
